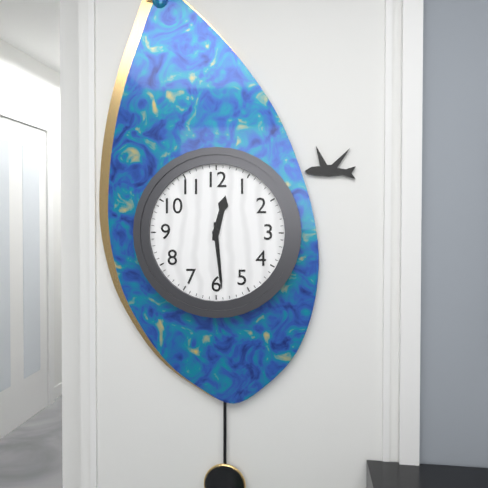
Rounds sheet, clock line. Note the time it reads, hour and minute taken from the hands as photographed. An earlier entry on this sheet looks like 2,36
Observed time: 12,29
